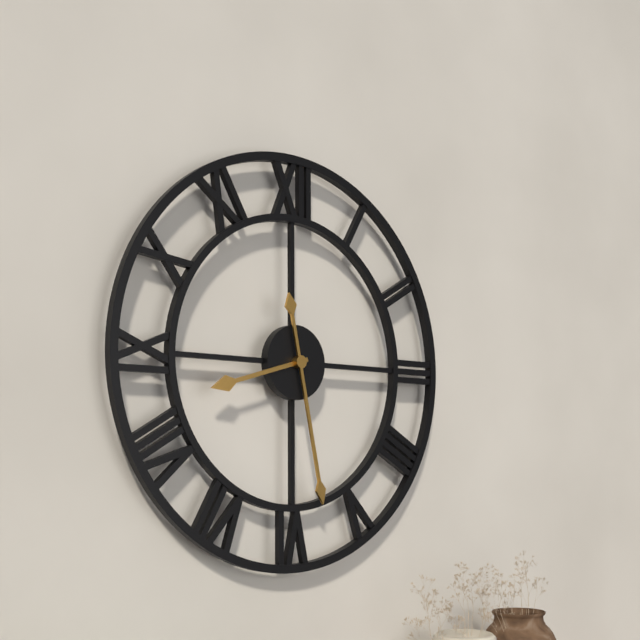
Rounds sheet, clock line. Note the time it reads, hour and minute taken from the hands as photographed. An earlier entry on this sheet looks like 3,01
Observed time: 8,28
